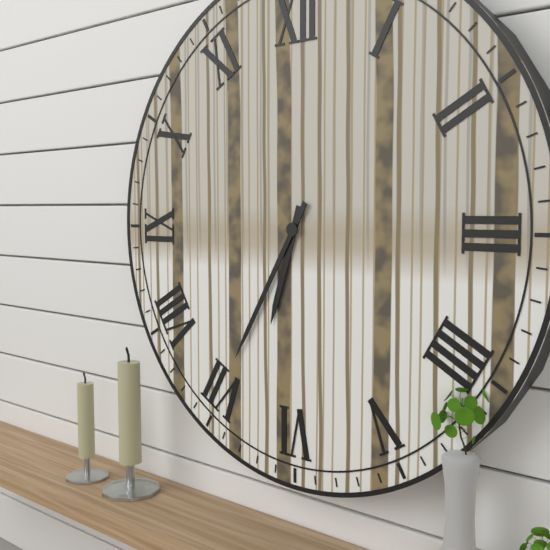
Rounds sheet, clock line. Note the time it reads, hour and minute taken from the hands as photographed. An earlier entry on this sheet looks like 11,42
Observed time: 6,35
